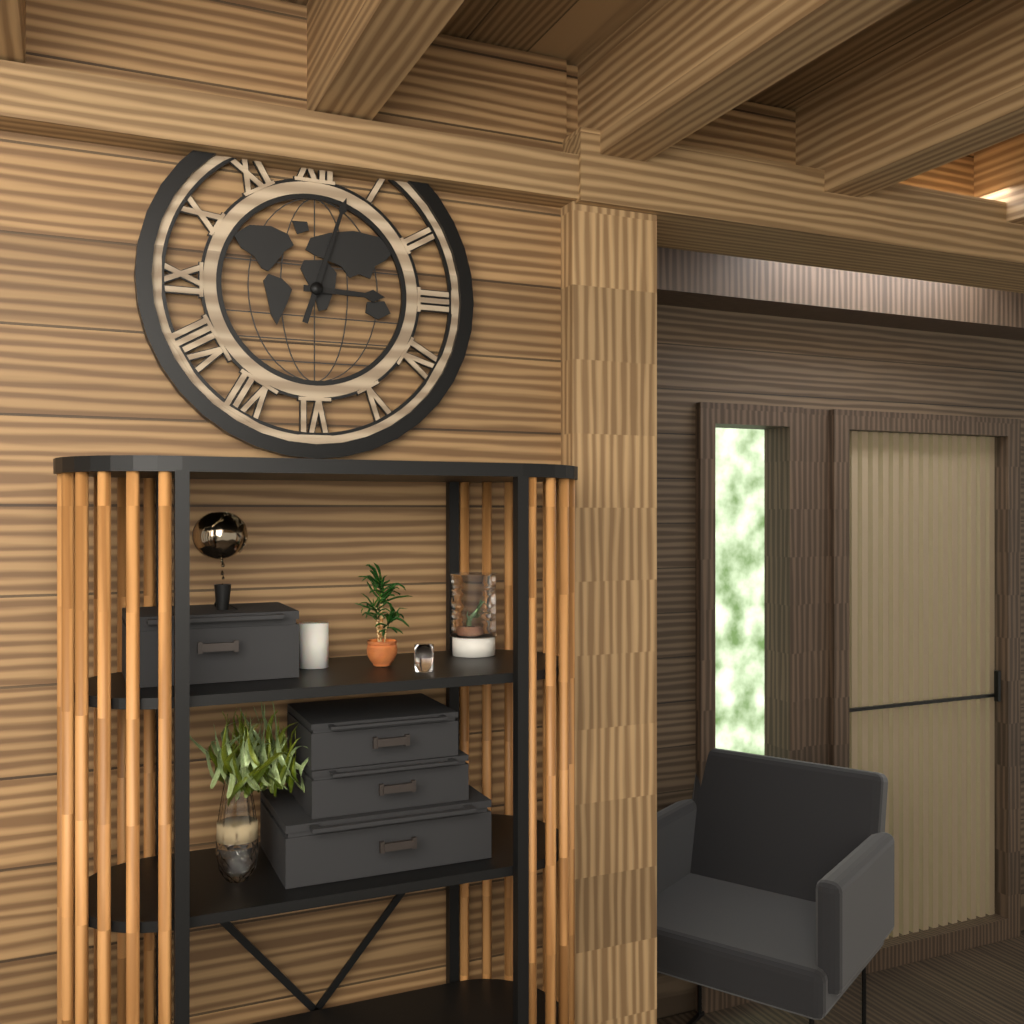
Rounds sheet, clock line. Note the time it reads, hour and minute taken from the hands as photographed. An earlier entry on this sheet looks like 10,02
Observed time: 3,03
